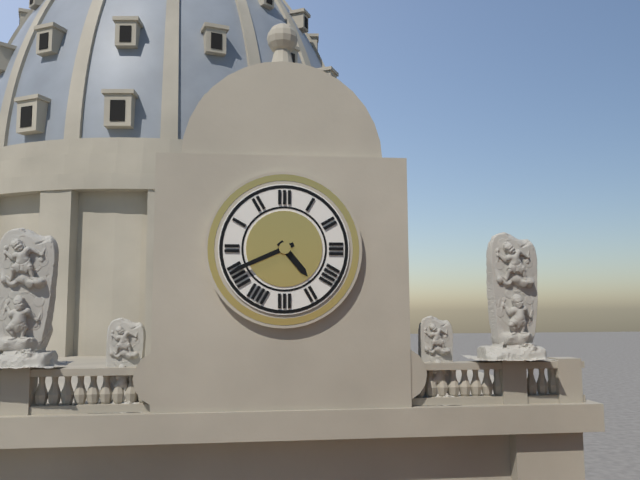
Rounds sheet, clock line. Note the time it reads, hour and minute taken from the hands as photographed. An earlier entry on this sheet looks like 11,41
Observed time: 4,41
